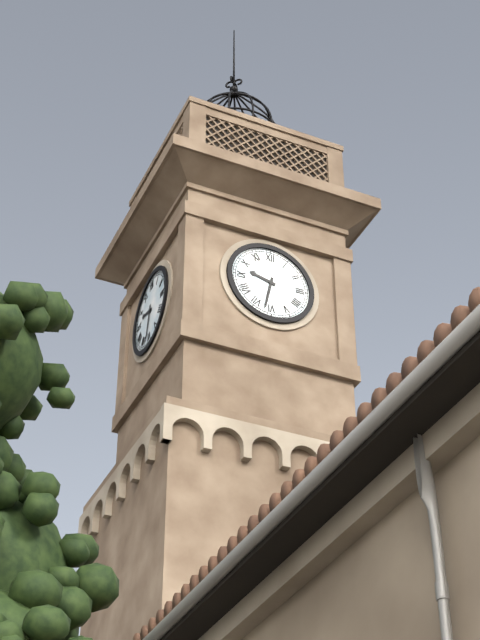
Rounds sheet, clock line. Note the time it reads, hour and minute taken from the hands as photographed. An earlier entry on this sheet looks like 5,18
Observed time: 9,32
